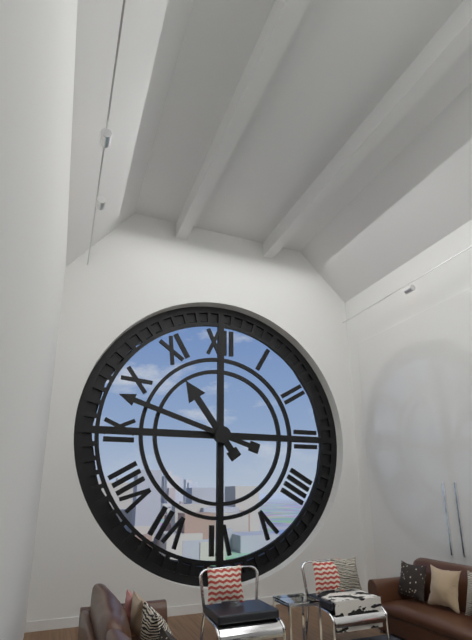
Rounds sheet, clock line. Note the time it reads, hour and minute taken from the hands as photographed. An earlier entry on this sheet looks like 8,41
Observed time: 10,48
